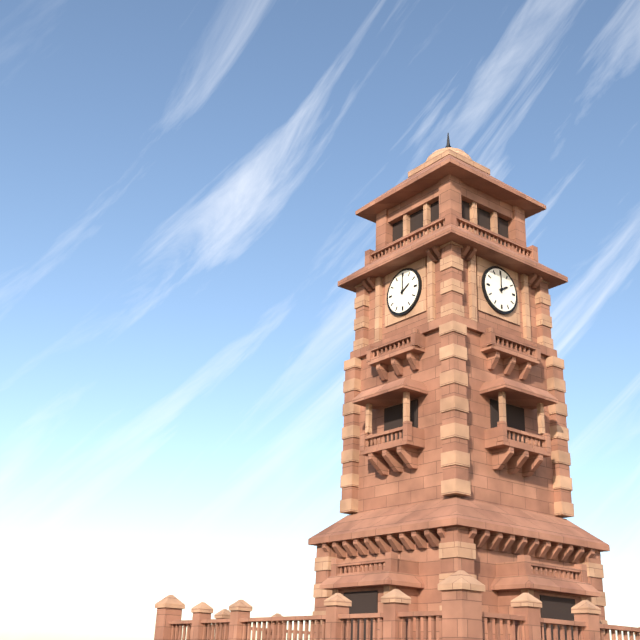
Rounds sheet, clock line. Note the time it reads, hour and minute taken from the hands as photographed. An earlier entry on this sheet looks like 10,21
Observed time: 2,00
